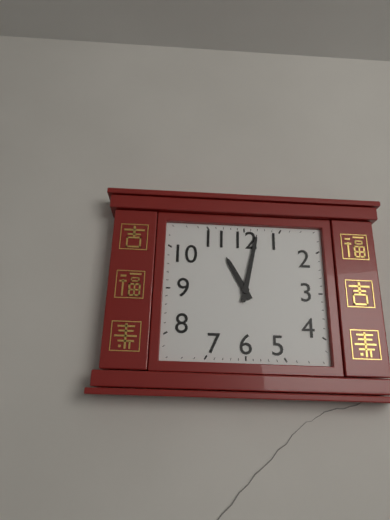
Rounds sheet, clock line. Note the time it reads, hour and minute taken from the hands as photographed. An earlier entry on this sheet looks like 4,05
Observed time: 11,02
